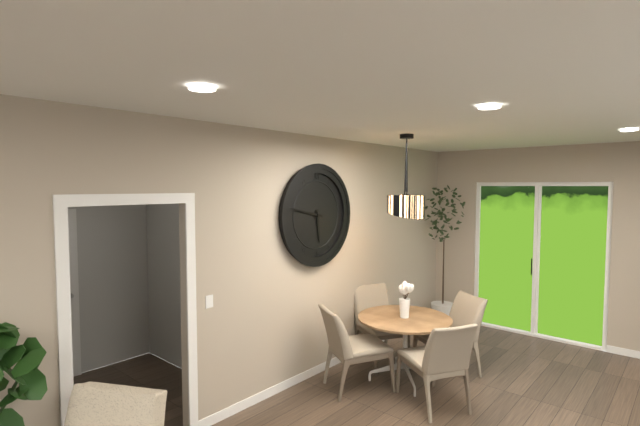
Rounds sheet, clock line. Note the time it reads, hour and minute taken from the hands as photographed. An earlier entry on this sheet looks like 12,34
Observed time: 5,47
